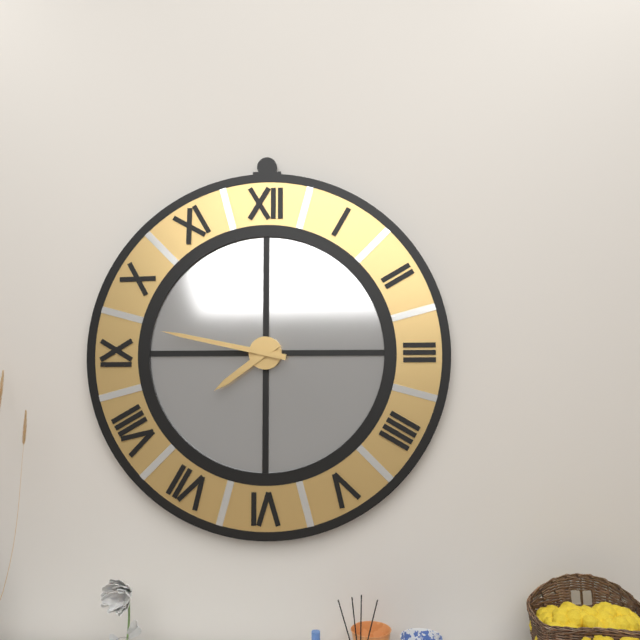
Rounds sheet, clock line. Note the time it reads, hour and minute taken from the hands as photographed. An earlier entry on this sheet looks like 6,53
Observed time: 7,47
